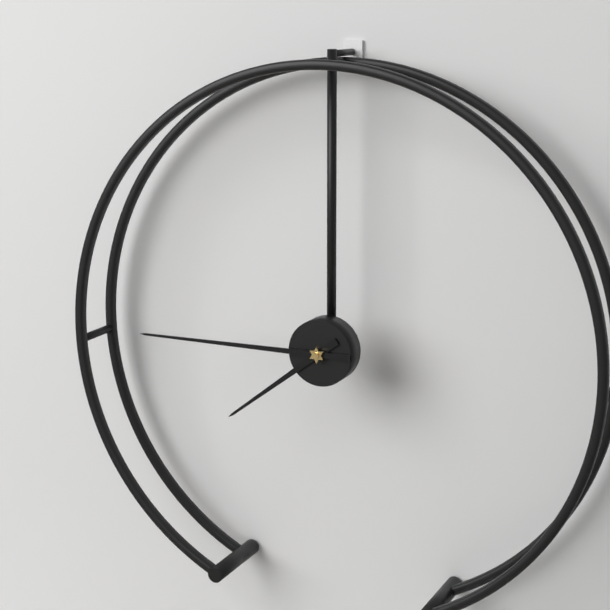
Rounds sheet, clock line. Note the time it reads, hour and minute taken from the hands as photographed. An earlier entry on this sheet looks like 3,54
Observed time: 7,45
